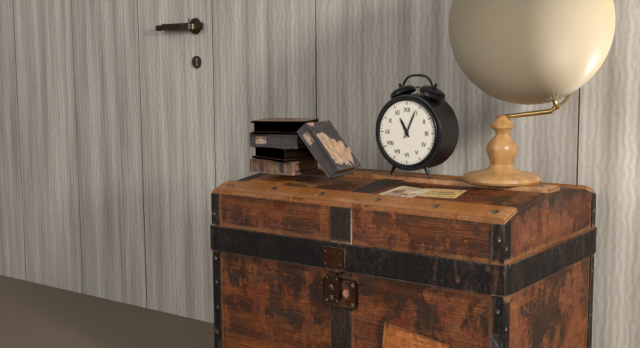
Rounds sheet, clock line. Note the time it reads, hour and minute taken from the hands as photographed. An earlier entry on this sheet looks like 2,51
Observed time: 11,04
